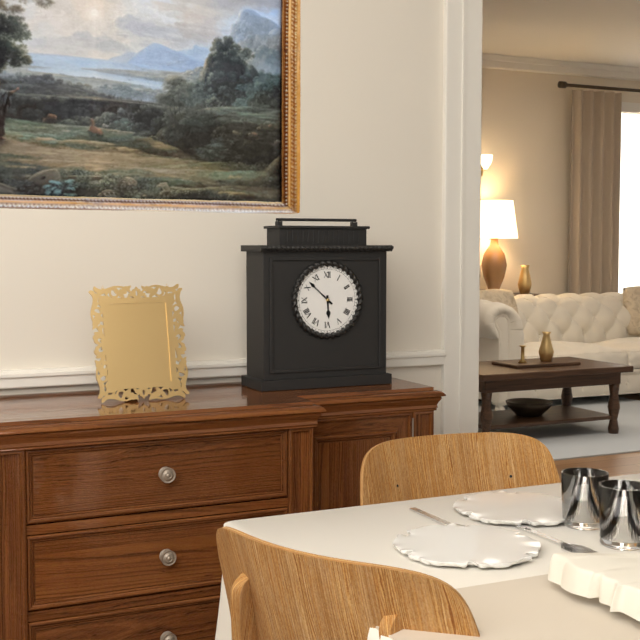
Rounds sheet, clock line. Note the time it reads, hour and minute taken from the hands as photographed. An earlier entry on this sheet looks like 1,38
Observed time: 5,52
